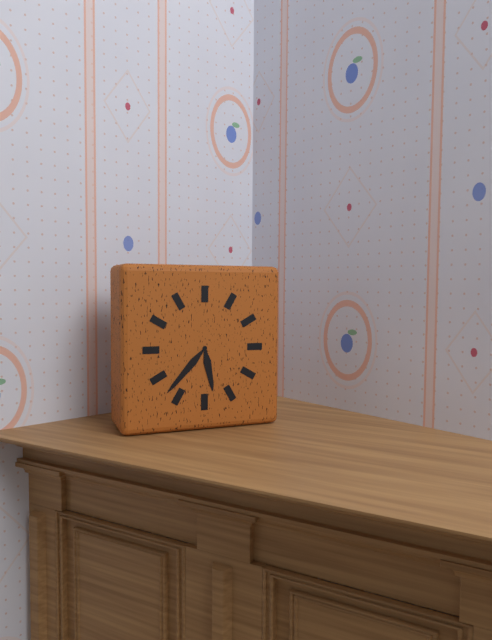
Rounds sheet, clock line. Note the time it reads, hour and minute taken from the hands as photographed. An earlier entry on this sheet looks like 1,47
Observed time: 5,37
